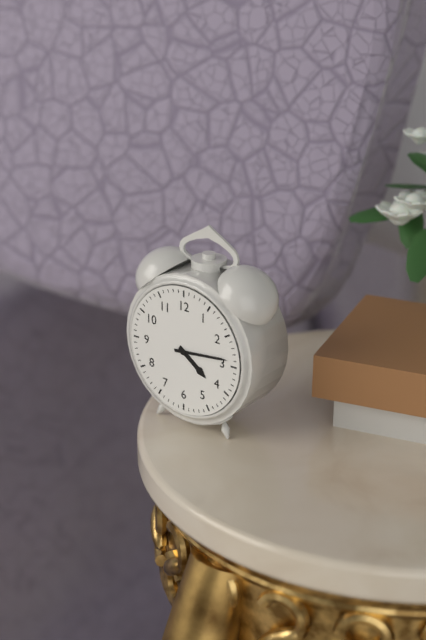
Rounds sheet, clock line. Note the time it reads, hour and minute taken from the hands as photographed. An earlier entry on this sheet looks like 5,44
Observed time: 4,14
